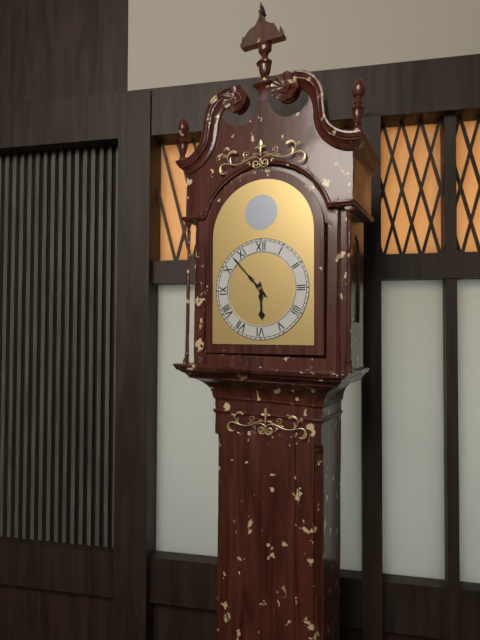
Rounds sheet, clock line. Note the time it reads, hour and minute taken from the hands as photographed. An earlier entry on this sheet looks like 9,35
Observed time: 5,53
